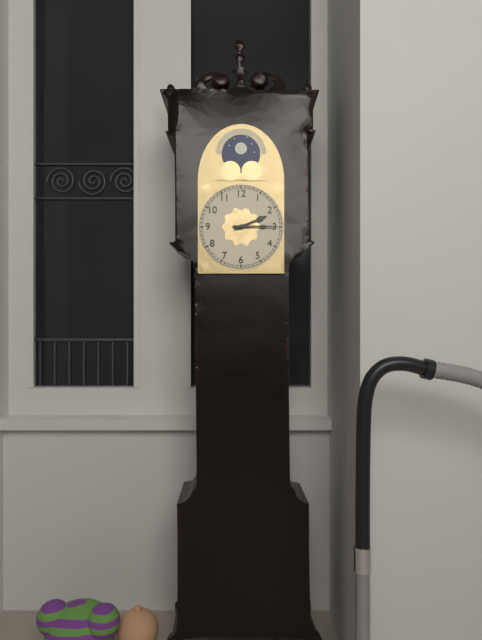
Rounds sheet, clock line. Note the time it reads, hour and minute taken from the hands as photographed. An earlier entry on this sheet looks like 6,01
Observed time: 2,15
